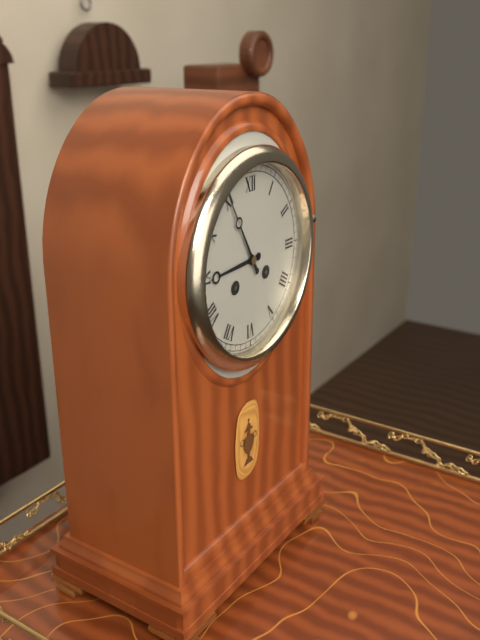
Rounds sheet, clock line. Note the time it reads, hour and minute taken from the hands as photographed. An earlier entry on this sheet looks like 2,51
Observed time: 8,55
